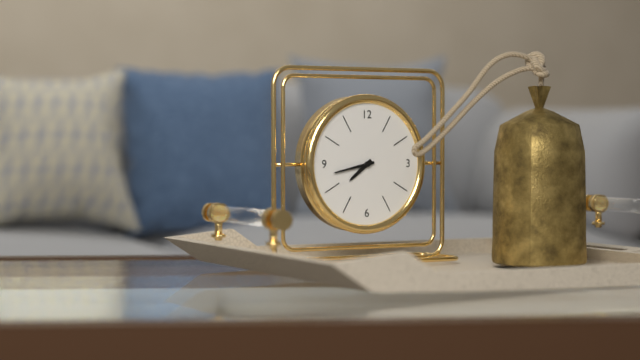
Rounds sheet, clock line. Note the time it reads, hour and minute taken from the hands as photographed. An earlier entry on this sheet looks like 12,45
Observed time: 7,43
